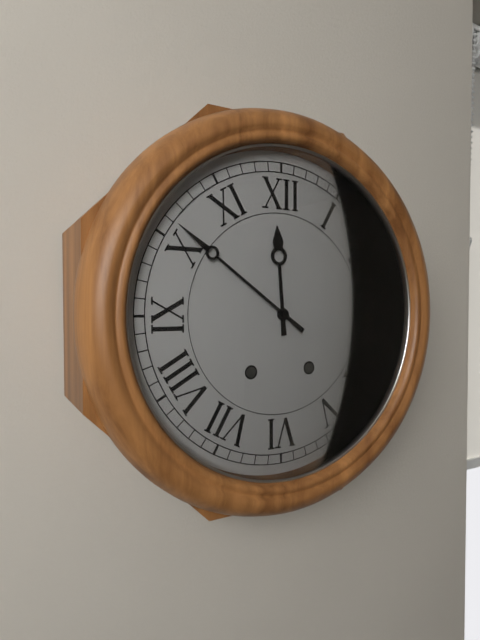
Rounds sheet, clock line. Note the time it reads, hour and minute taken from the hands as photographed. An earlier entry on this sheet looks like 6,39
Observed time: 11,51
